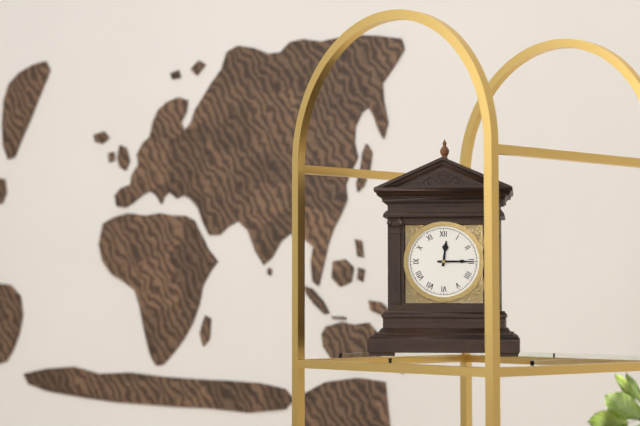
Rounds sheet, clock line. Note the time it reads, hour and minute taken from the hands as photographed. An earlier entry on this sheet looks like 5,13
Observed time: 12,15
